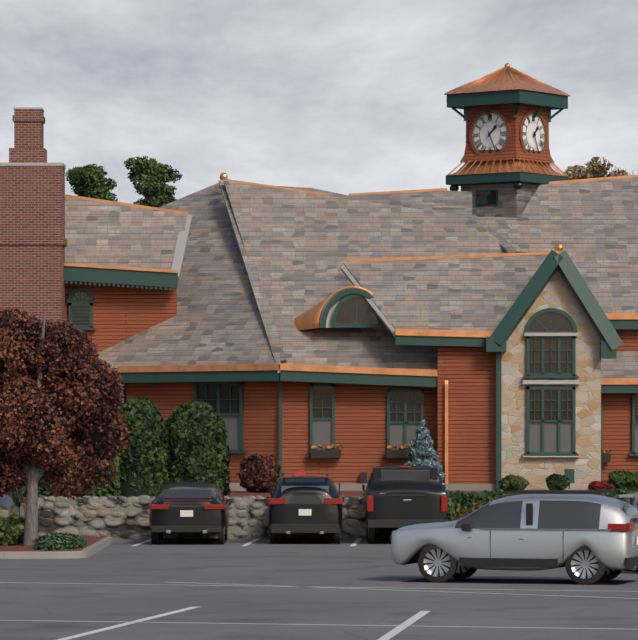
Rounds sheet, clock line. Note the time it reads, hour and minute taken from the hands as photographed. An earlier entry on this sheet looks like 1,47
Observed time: 1,26
